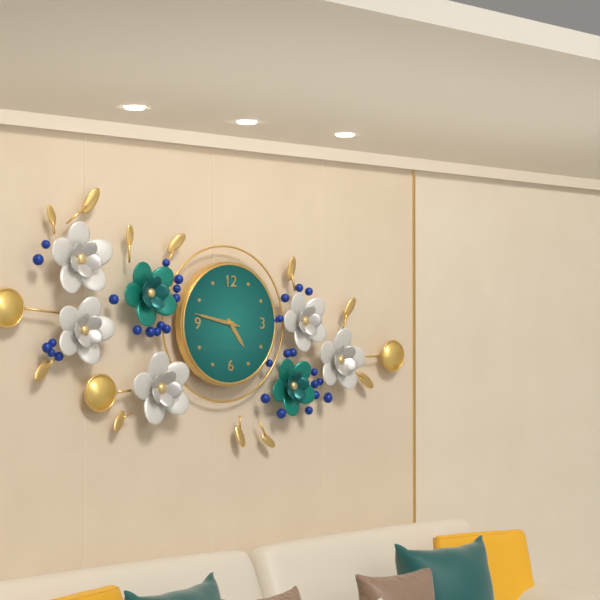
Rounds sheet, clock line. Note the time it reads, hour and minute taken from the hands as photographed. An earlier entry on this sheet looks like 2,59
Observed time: 4,47
